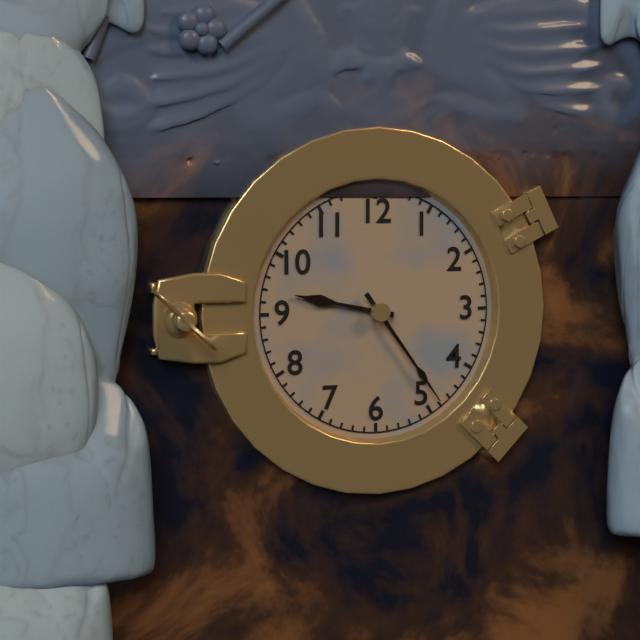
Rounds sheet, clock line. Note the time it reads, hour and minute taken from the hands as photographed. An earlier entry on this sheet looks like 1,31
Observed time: 9,24
